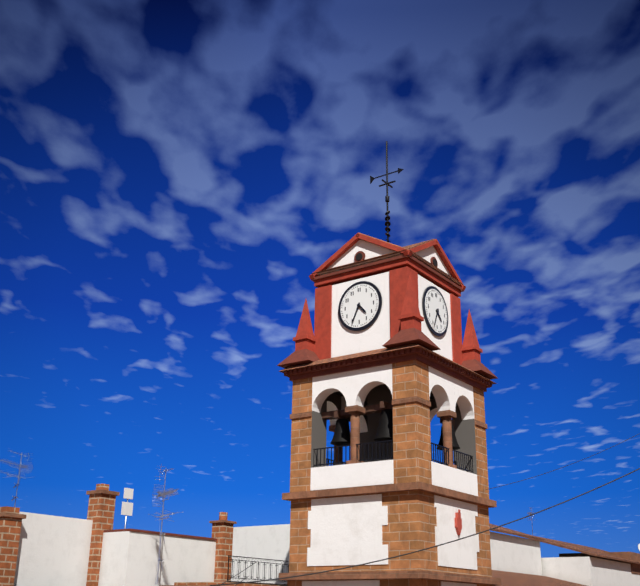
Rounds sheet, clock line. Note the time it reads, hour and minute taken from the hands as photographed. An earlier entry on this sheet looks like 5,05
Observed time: 4,34
